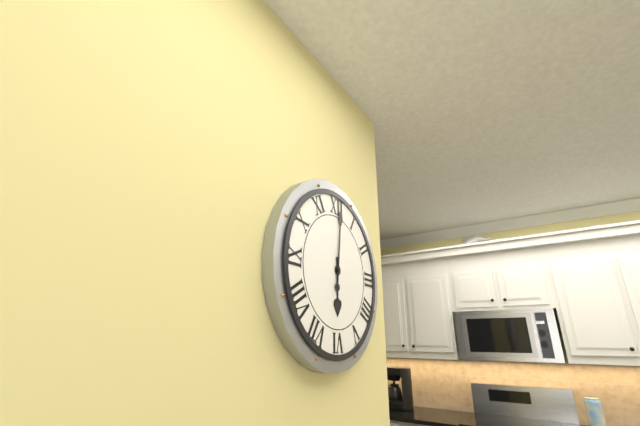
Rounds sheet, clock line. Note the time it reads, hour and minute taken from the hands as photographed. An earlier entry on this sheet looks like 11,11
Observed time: 6,01
